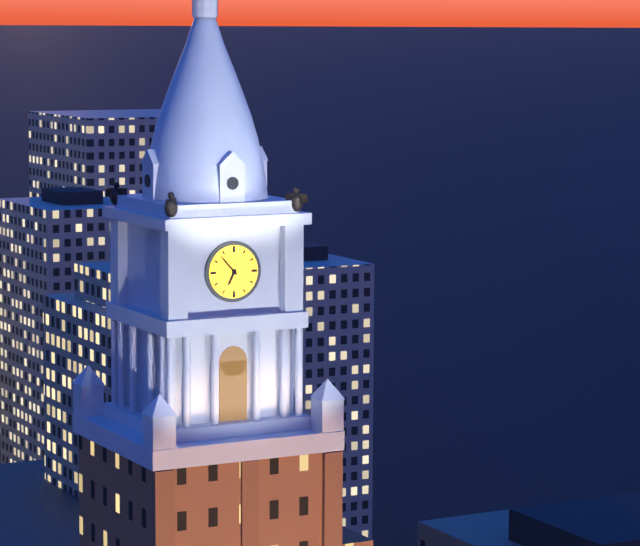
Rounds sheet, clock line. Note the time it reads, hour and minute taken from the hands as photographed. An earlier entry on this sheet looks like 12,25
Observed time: 6,53
